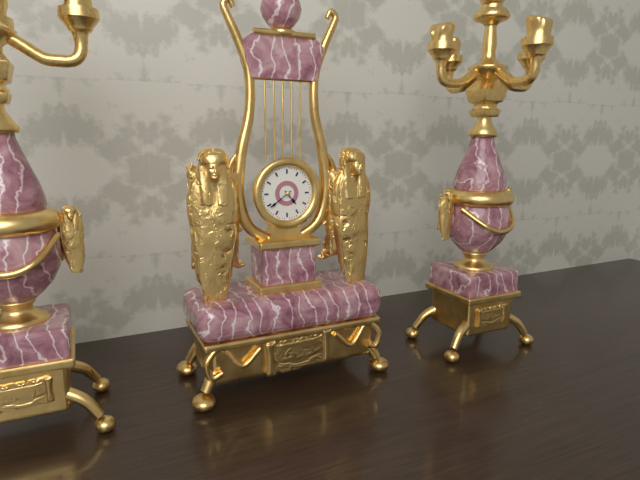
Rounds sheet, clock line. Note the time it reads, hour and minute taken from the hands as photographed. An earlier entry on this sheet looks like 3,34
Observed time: 4,39
